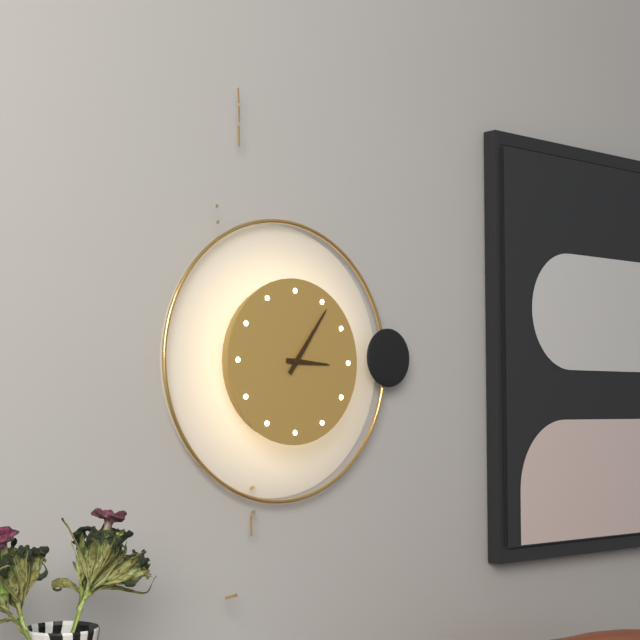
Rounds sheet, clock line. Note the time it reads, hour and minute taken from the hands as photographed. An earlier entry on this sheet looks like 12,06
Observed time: 3,06
